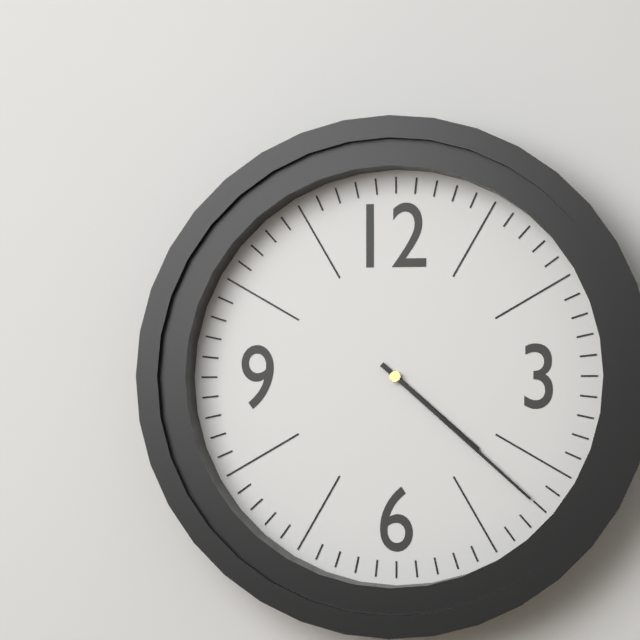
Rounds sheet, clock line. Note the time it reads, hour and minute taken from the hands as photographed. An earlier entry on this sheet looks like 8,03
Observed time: 4,22
